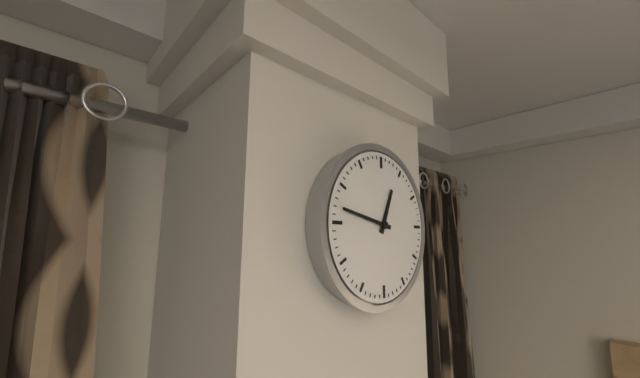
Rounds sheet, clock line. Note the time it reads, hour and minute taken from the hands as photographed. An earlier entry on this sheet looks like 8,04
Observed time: 12,47
